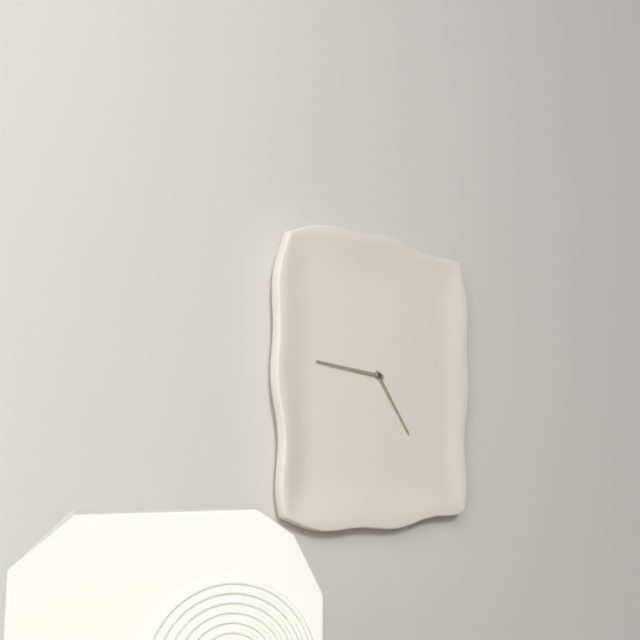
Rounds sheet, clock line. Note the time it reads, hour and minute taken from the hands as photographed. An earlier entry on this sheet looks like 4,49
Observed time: 4,46
